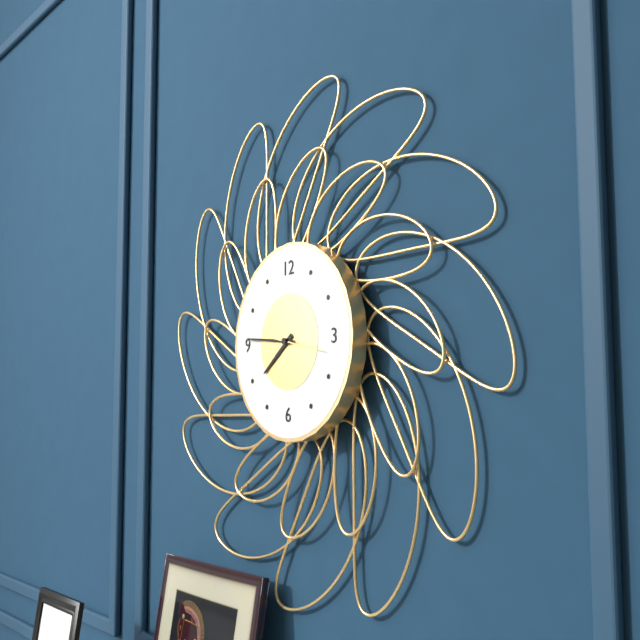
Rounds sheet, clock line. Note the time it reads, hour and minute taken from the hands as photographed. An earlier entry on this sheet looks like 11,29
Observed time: 7,46
